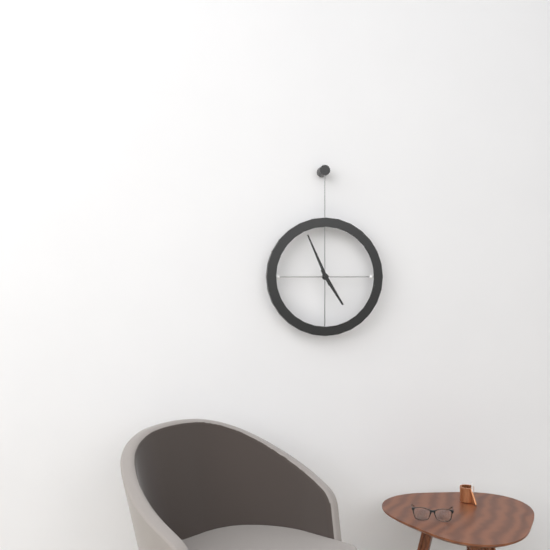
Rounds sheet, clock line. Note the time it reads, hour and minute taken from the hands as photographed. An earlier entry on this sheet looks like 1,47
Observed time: 4,56
